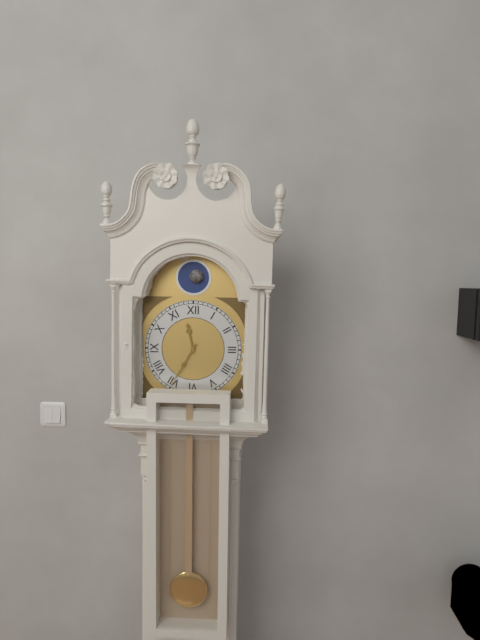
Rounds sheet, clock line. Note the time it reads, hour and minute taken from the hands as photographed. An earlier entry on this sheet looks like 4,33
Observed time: 11,35
